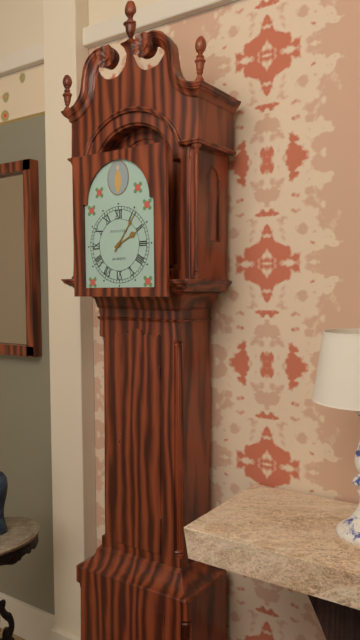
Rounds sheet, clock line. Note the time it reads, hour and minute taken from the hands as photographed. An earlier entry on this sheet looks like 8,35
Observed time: 2,06
